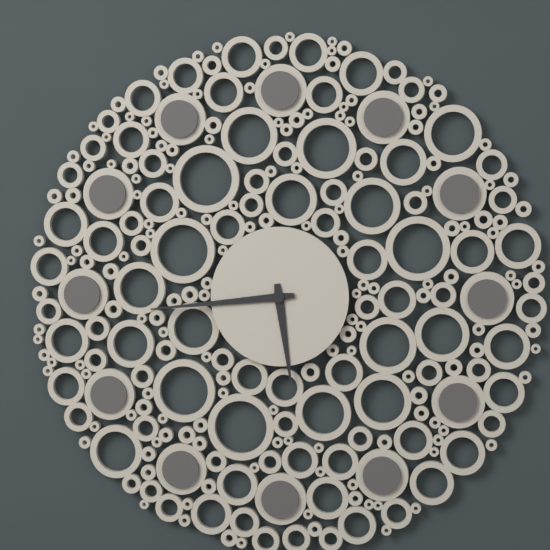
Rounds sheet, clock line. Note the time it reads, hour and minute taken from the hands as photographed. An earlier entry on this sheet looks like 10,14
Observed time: 5,44
